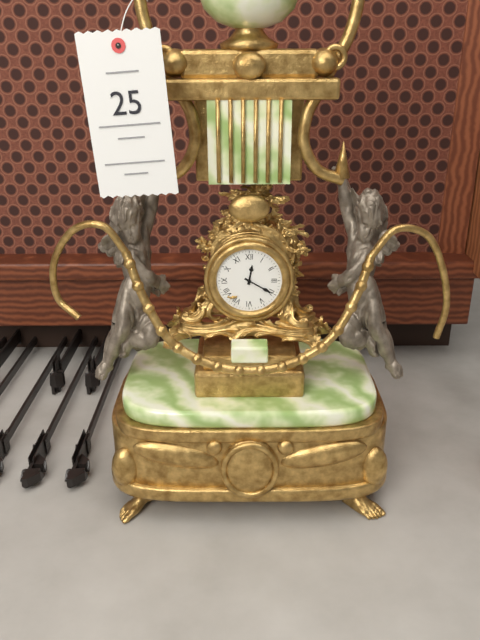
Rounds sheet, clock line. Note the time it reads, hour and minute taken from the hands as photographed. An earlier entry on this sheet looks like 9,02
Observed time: 12,20
